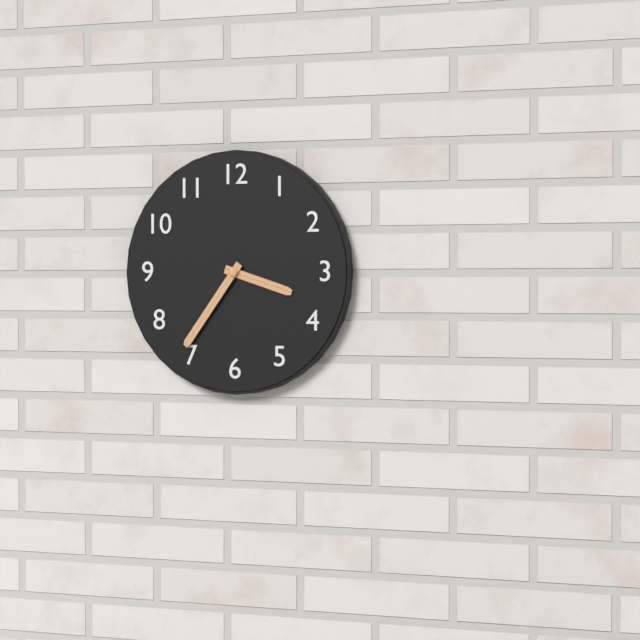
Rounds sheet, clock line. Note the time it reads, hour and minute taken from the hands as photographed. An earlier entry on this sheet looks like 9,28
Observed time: 3,36
